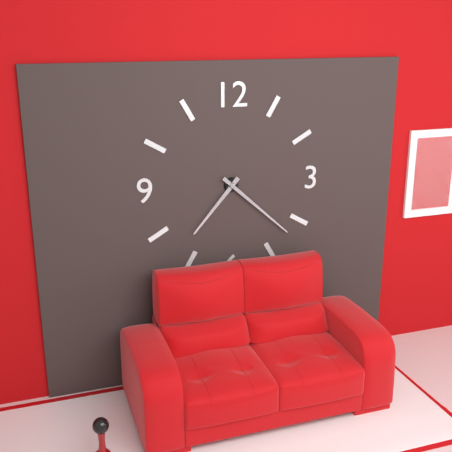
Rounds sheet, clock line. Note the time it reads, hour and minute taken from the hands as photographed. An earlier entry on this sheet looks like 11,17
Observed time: 7,22
